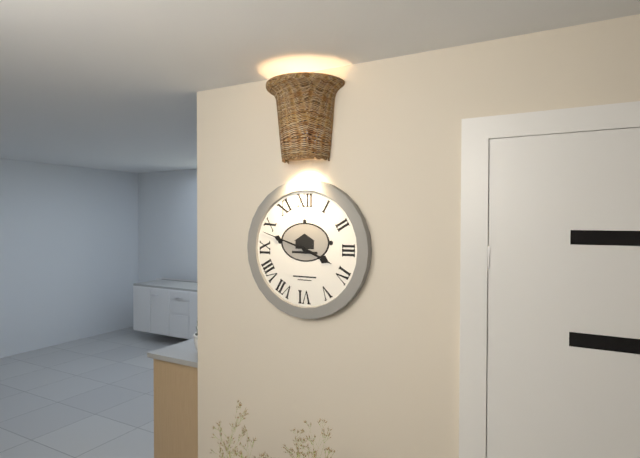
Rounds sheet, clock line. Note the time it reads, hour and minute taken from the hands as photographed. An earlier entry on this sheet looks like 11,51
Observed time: 3,48
